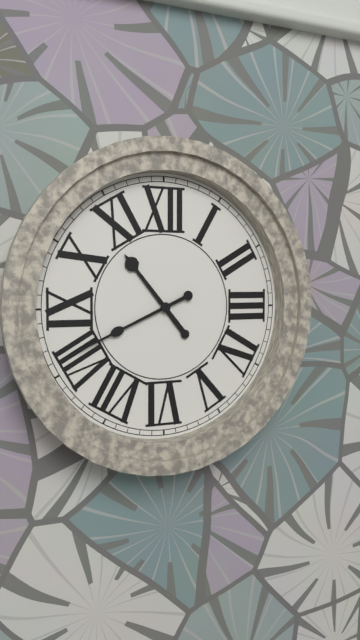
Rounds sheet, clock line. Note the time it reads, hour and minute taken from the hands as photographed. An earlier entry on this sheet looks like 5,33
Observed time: 10,41
